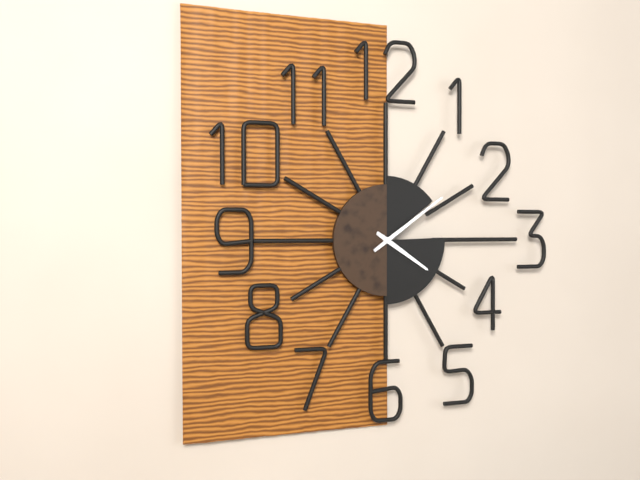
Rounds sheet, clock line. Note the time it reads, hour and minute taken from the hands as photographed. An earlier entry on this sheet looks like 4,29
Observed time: 4,09
